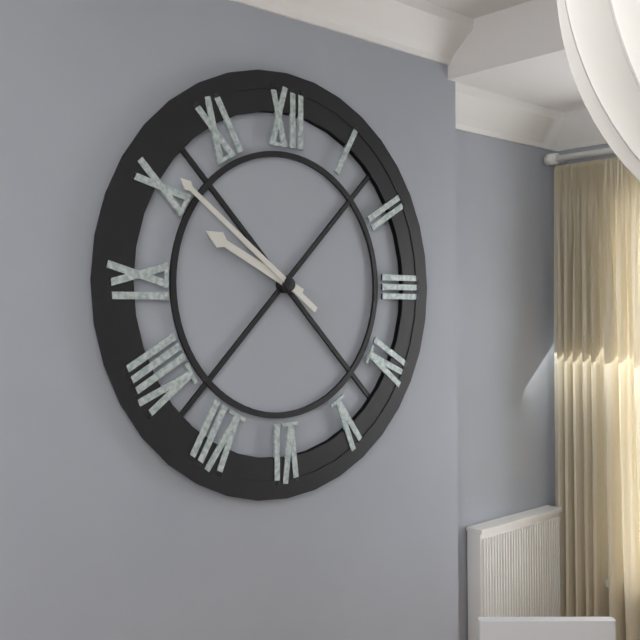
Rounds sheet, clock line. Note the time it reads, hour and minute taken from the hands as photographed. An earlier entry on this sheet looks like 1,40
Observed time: 9,51
